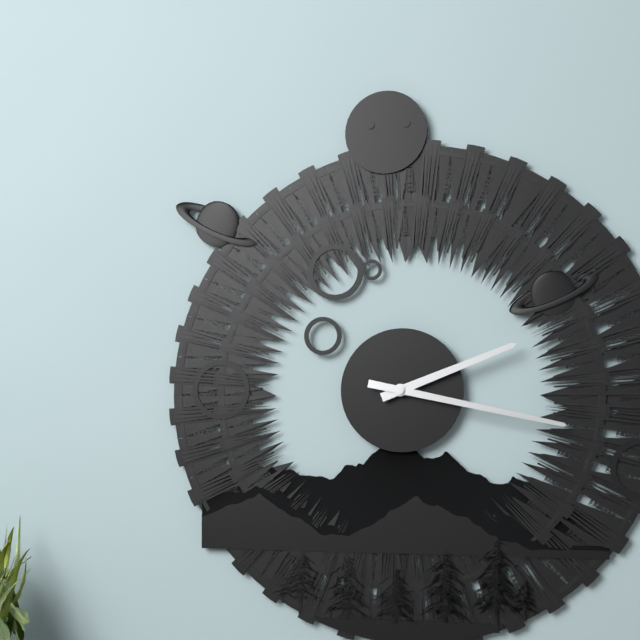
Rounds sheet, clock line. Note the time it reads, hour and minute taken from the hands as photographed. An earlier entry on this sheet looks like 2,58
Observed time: 2,17
